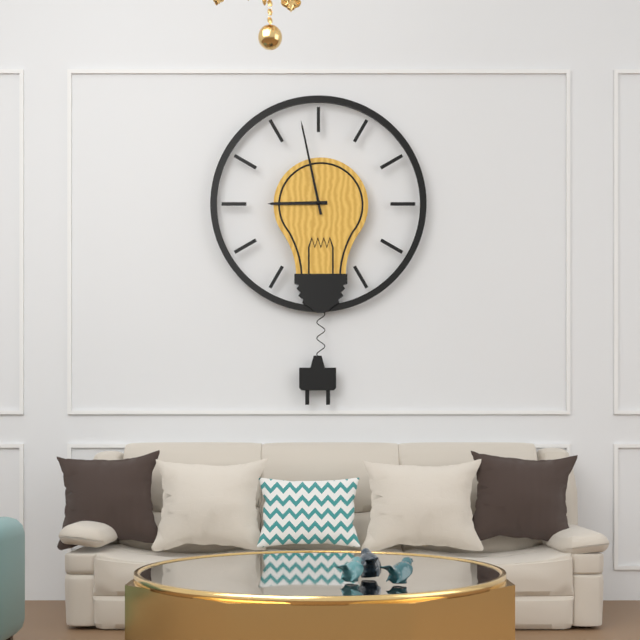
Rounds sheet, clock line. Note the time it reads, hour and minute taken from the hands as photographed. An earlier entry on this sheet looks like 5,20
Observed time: 8,58
